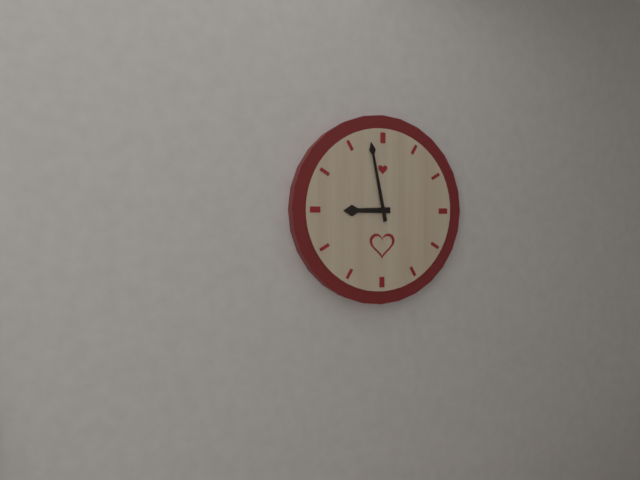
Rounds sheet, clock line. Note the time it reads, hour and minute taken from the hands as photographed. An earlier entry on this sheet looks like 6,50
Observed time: 8,58
